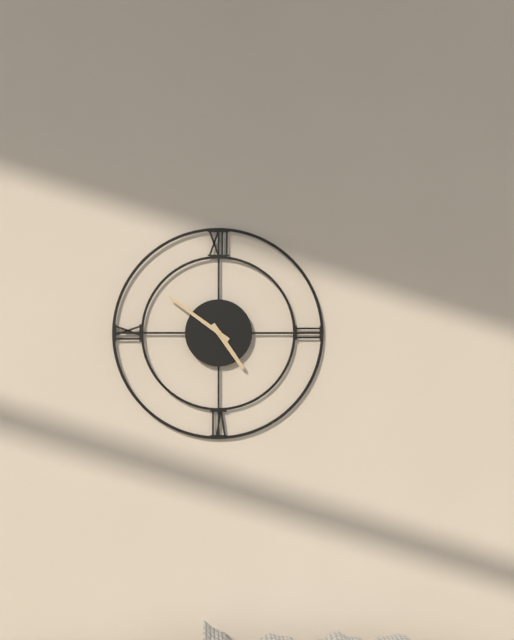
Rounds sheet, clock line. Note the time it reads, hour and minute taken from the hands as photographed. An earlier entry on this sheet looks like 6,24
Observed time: 4,51
